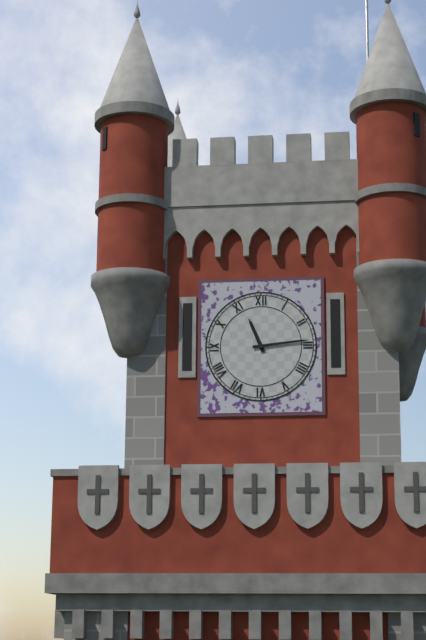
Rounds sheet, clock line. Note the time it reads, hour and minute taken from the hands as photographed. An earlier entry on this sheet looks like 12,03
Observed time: 11,14
